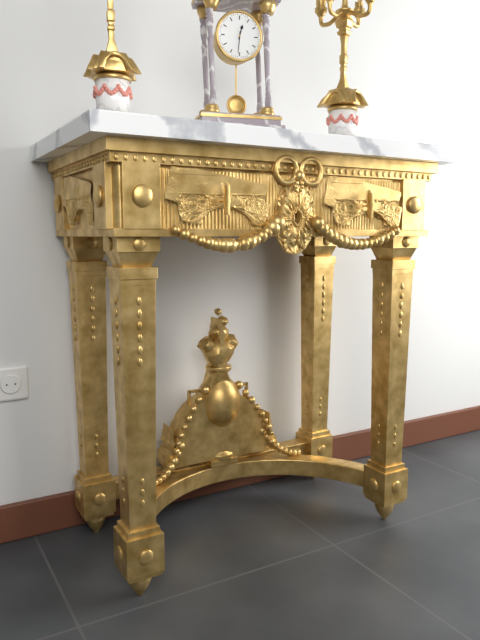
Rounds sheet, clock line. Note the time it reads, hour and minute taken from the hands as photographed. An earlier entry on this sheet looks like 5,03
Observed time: 12,31
